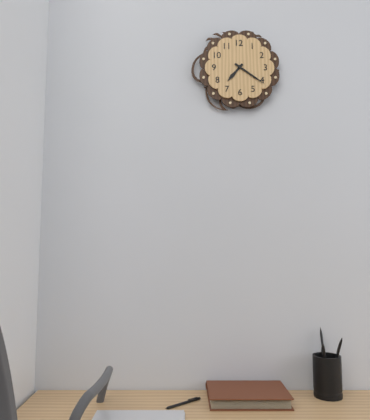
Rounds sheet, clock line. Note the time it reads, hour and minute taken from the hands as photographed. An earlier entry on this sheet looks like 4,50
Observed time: 7,21
